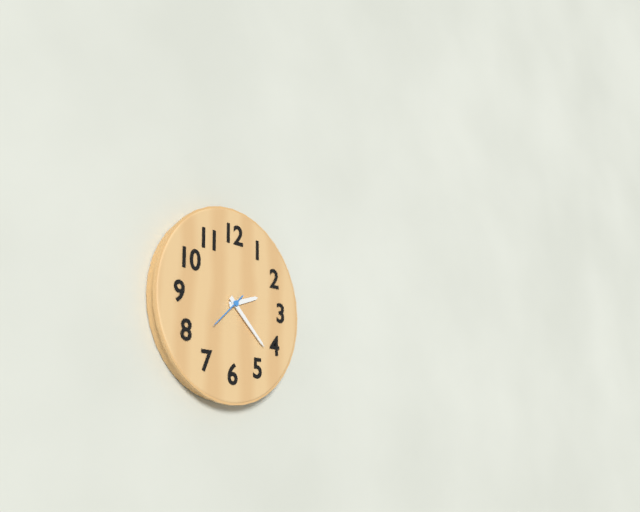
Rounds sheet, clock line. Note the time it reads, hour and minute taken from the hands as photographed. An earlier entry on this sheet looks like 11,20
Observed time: 2,22
